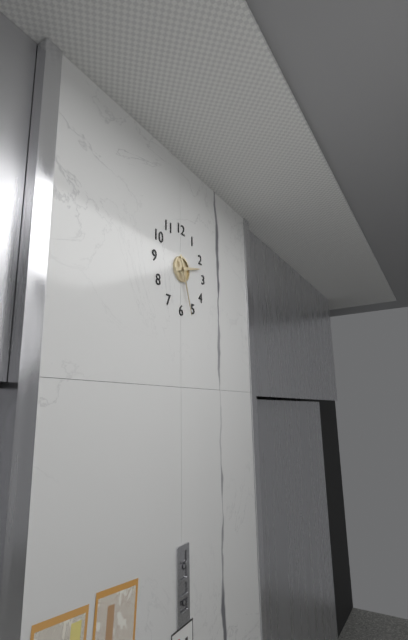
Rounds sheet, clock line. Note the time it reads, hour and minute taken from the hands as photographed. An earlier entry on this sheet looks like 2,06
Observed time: 2,27
